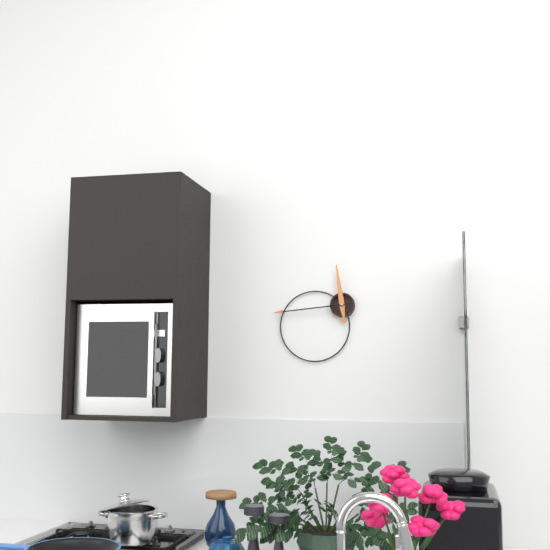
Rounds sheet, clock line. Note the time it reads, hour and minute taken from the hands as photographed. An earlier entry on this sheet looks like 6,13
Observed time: 11,44
